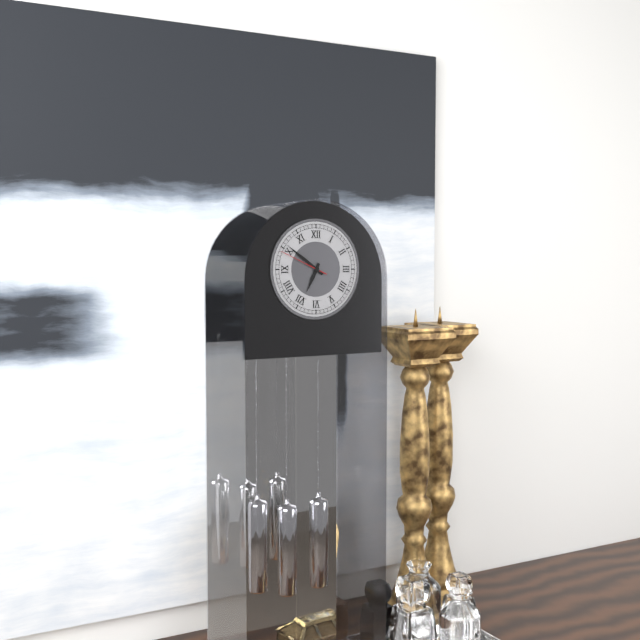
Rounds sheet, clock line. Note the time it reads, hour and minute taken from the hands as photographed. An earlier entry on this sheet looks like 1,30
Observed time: 6,51
